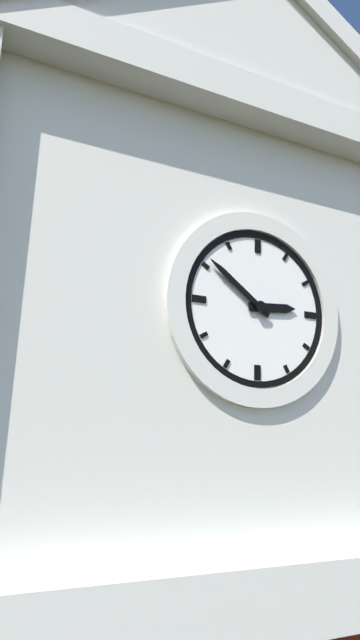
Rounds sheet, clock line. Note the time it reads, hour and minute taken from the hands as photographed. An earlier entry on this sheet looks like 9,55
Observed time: 2,51
